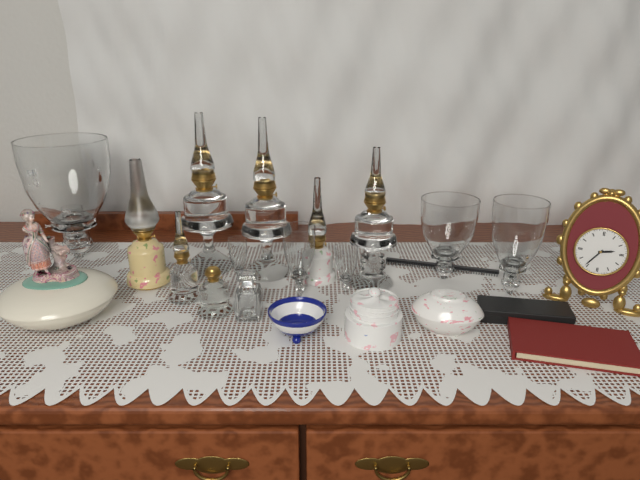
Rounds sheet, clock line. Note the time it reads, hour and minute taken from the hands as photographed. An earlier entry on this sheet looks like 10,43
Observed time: 2,36
